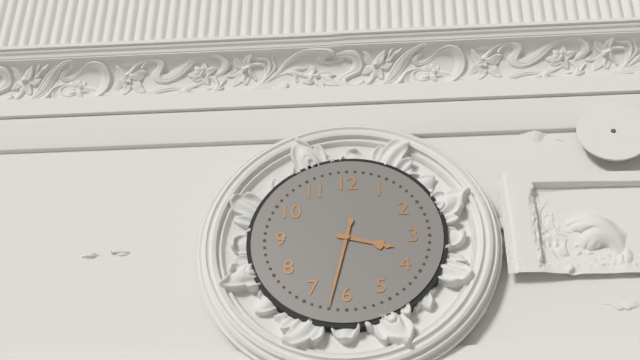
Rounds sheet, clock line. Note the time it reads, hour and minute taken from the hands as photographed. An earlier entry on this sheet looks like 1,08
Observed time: 3,32
